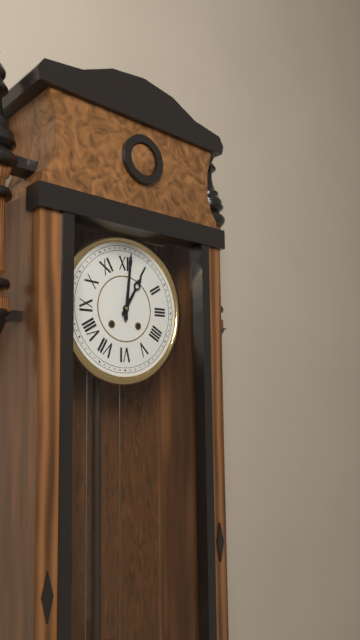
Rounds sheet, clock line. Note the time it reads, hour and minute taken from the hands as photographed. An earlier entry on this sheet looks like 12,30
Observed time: 1,01
